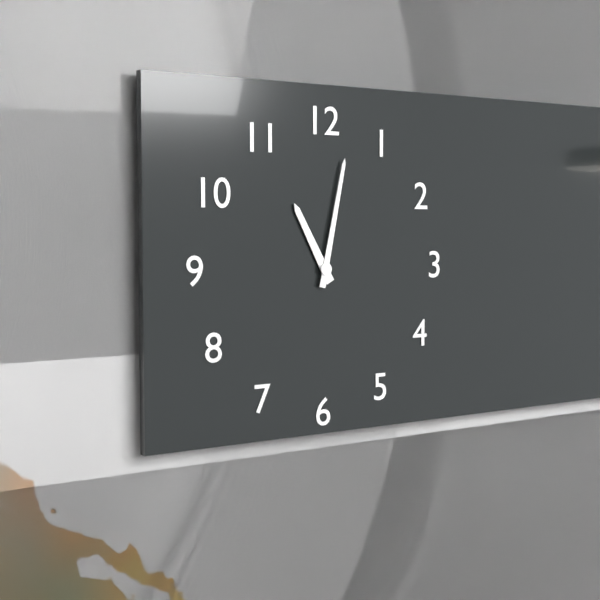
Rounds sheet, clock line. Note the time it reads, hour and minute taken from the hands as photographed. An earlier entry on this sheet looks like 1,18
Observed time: 11,02
